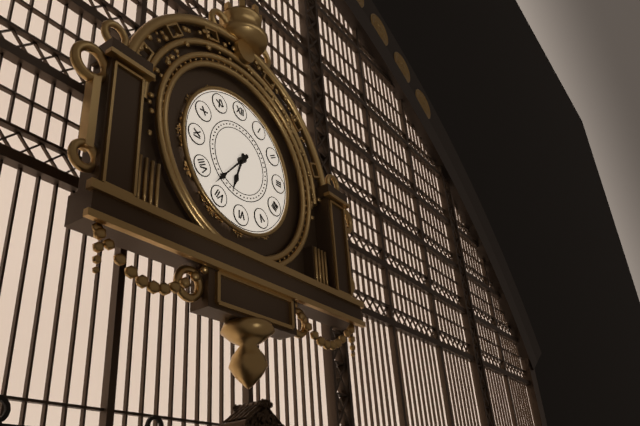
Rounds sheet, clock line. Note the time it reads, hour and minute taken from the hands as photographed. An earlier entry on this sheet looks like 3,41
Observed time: 6,37
